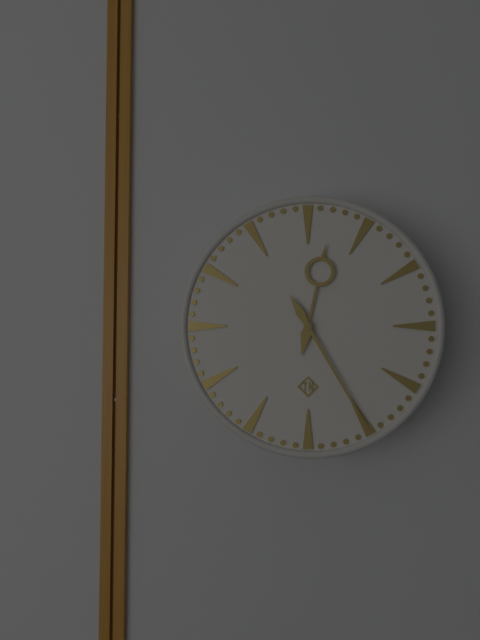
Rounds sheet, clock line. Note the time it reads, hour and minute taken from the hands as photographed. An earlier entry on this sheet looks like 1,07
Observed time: 12,25
